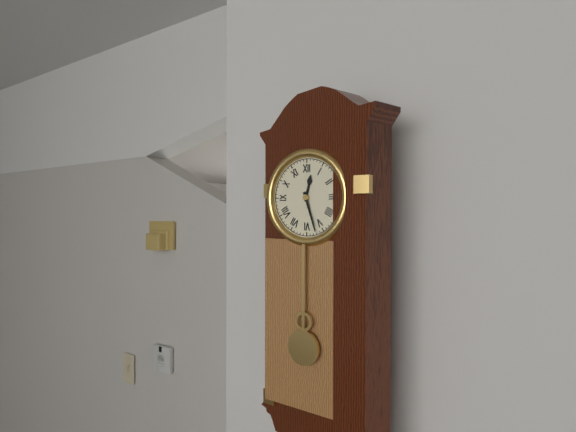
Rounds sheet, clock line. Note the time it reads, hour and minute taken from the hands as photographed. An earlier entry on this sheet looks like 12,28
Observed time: 12,27
